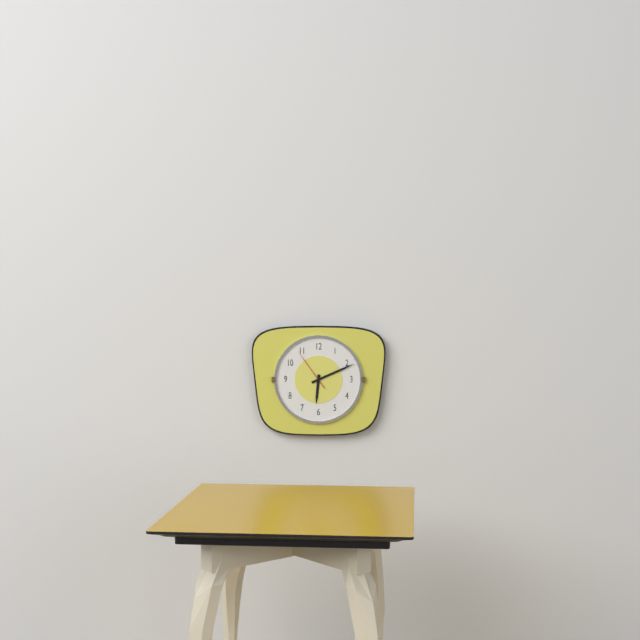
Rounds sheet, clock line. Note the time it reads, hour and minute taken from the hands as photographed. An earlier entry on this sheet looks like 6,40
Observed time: 6,11
